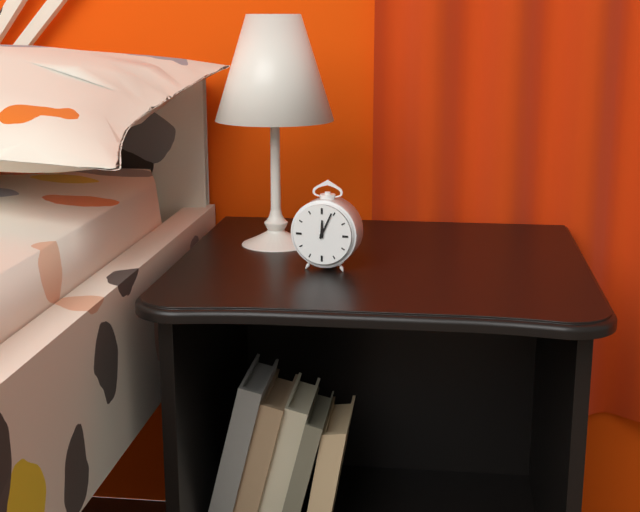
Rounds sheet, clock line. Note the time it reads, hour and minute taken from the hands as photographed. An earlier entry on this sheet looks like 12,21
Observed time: 12,04
